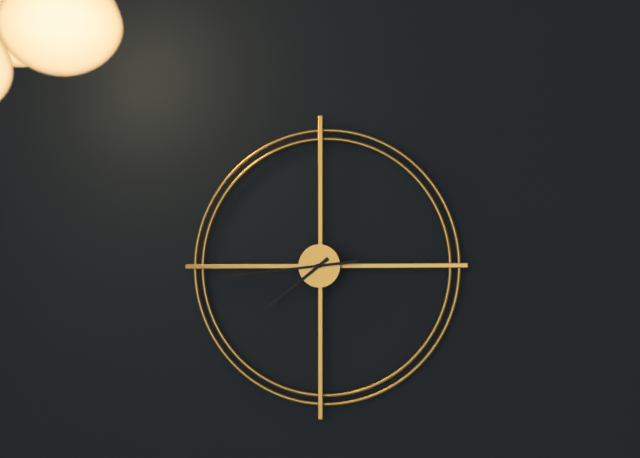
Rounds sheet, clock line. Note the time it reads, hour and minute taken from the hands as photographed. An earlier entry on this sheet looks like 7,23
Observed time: 7,44
